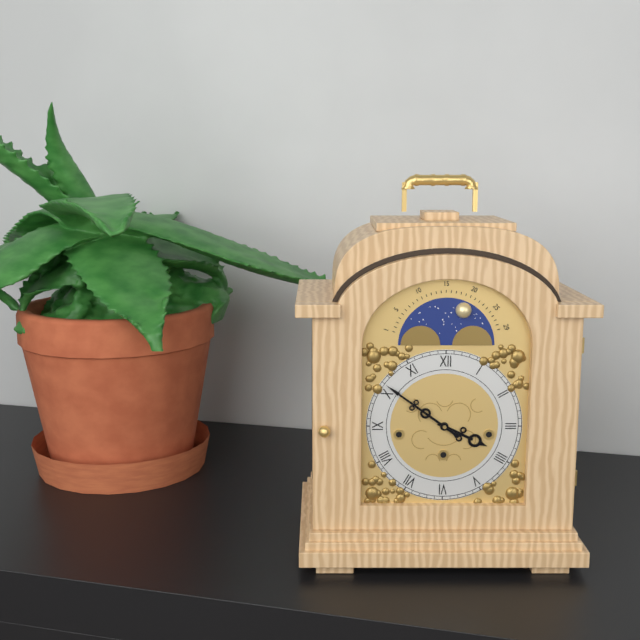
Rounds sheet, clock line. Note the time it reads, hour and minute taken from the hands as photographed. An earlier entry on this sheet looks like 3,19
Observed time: 3,51
